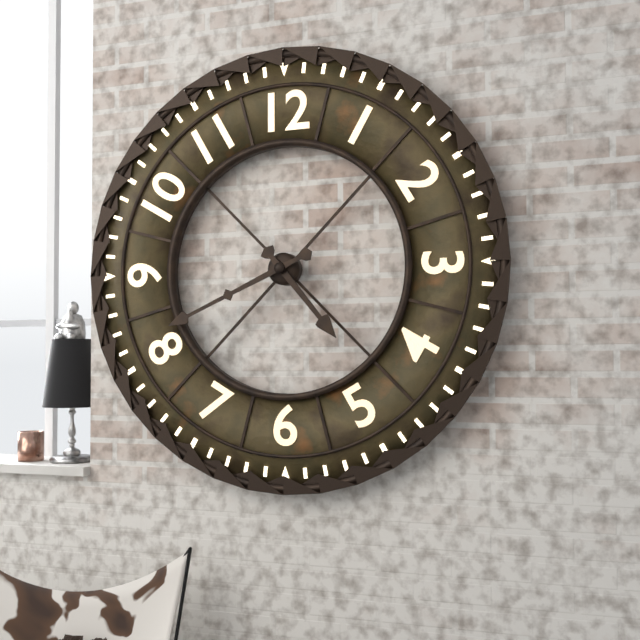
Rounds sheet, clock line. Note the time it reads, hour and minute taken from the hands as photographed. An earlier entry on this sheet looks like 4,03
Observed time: 4,41
